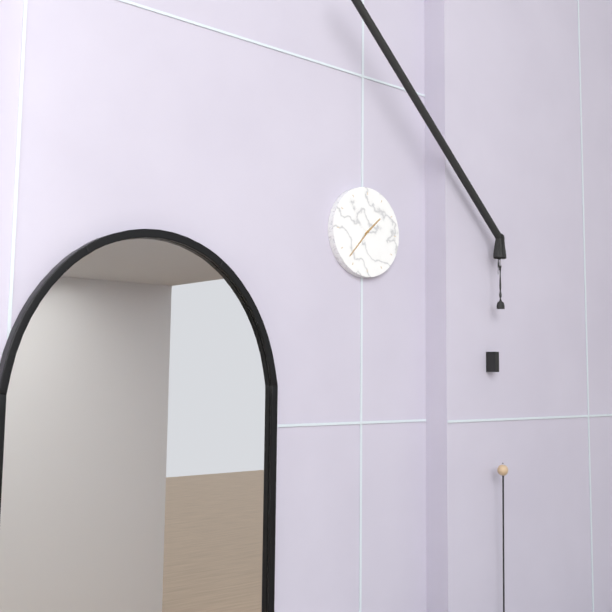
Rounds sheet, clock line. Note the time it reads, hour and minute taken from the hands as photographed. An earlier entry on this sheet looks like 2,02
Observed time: 1,37
